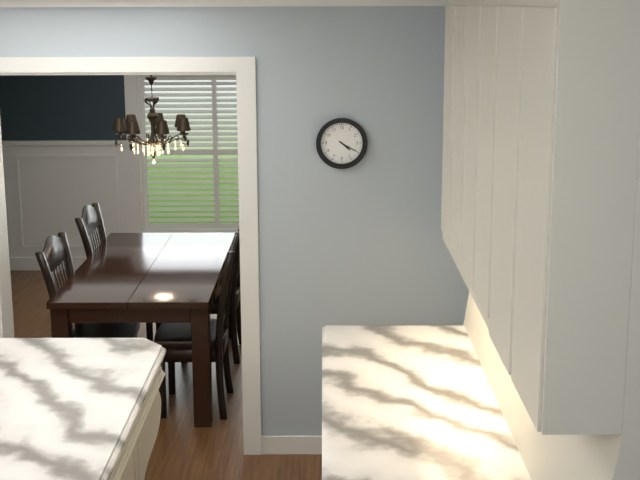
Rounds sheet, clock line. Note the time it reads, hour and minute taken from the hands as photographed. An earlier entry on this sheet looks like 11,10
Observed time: 4,20
